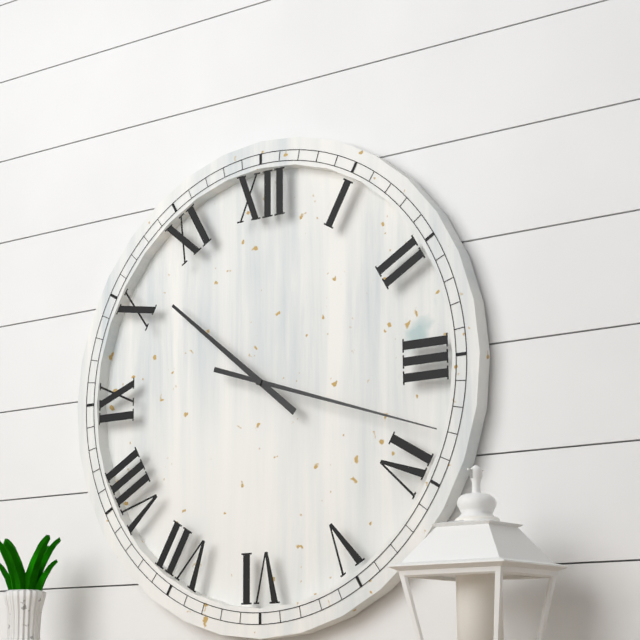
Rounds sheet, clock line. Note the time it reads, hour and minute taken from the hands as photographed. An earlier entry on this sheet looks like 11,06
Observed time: 10,18
